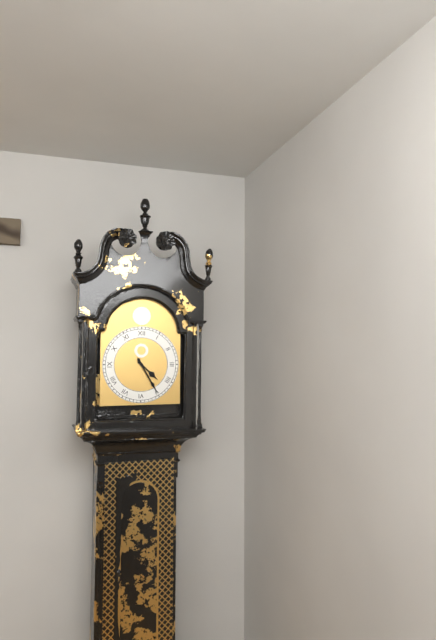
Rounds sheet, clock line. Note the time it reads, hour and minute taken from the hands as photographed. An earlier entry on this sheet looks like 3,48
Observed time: 4,25
